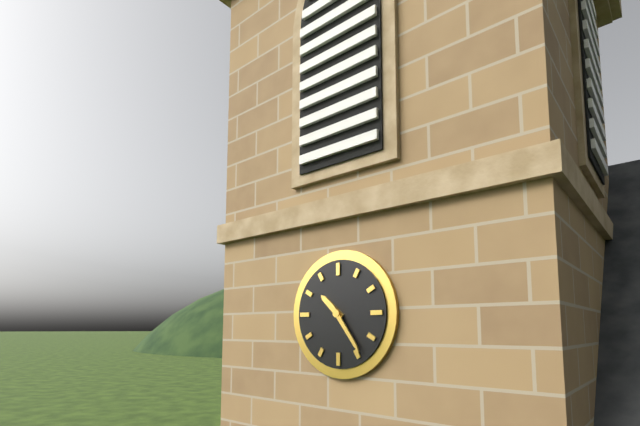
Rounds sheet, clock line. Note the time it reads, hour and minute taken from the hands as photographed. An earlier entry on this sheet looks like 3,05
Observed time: 10,24
